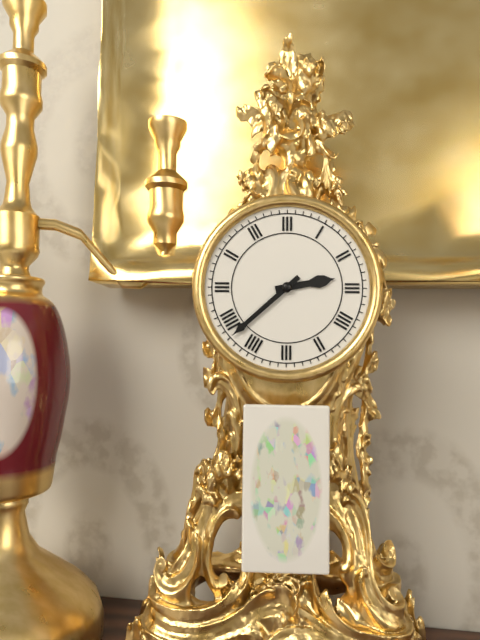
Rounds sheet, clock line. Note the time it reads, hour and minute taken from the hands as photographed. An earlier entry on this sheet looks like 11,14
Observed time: 2,38
